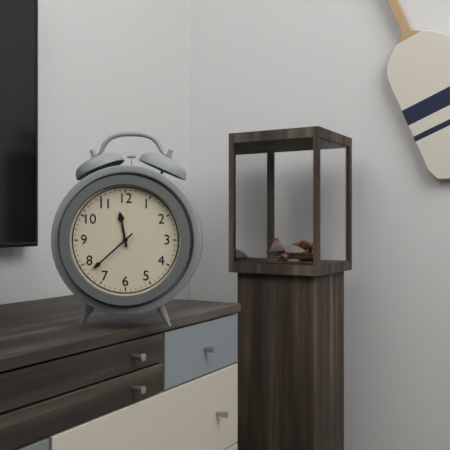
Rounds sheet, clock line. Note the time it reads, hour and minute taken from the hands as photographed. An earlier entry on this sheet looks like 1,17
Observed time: 11,38
